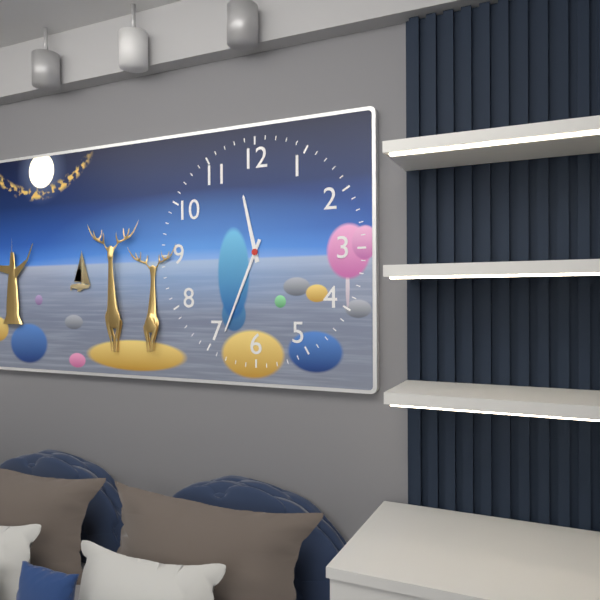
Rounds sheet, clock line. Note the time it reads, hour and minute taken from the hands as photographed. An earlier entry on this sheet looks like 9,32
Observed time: 11,34
